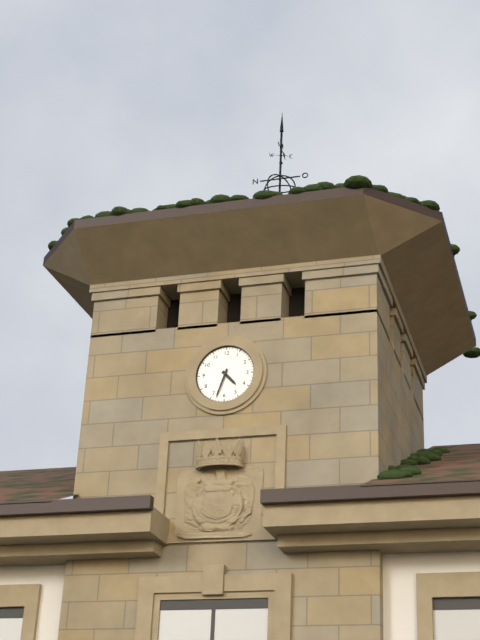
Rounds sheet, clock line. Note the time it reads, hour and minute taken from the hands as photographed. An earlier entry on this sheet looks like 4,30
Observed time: 4,33
